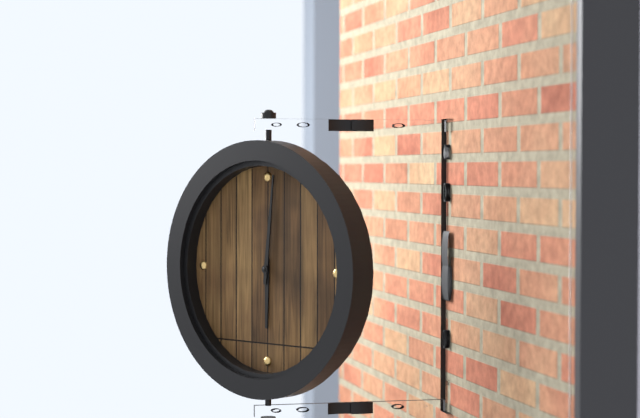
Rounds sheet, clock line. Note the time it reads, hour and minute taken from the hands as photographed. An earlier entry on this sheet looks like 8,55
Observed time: 6,01
